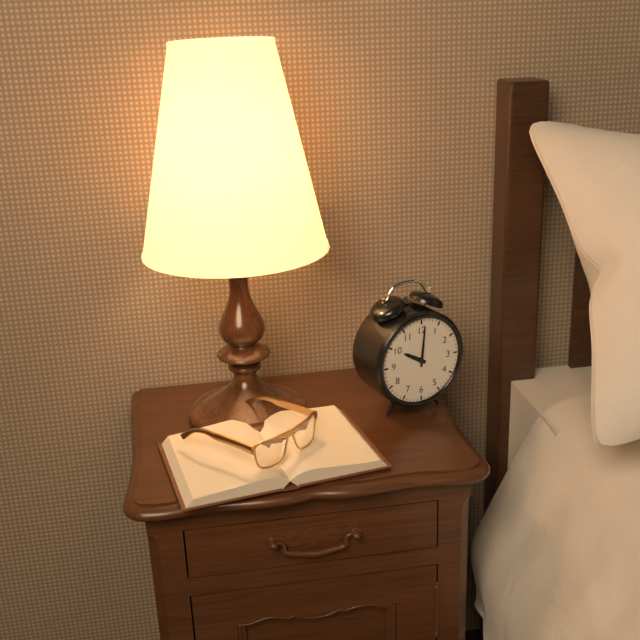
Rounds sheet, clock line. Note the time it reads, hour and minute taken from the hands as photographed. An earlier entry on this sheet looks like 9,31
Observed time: 10,01
